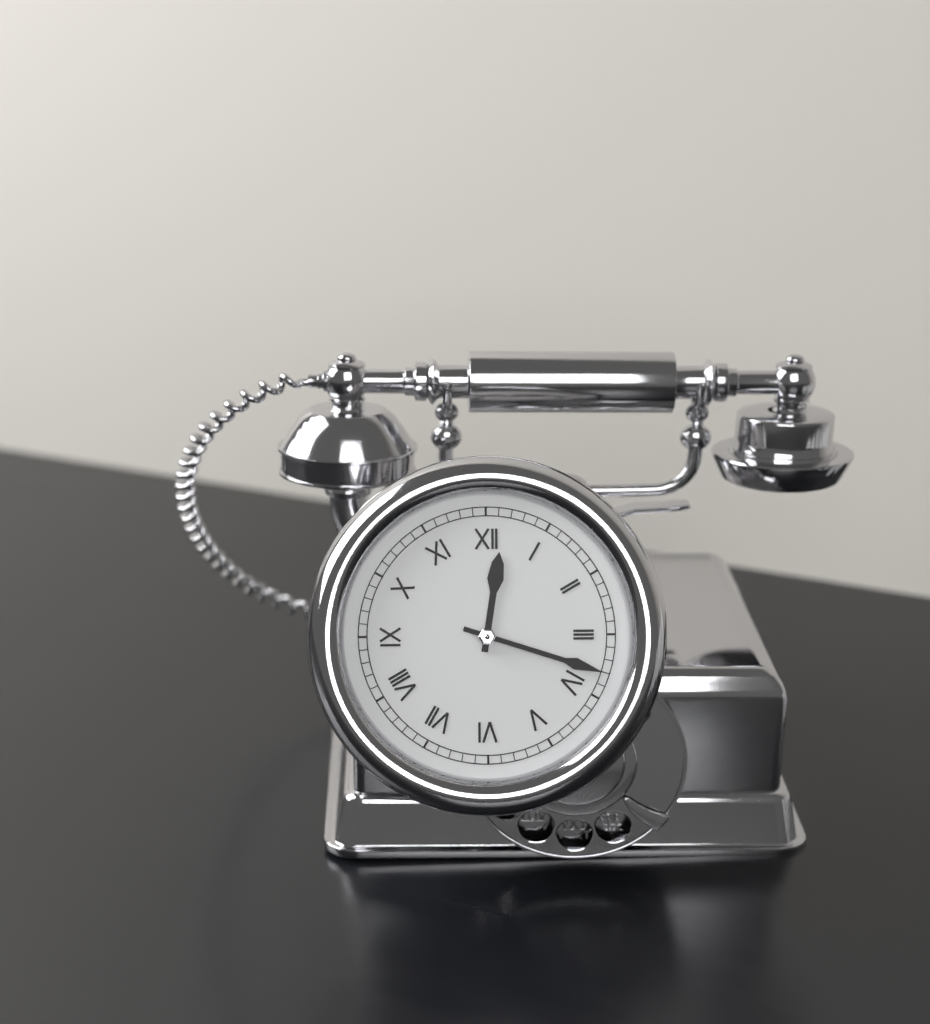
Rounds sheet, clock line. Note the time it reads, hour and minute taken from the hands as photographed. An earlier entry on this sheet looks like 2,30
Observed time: 12,18
